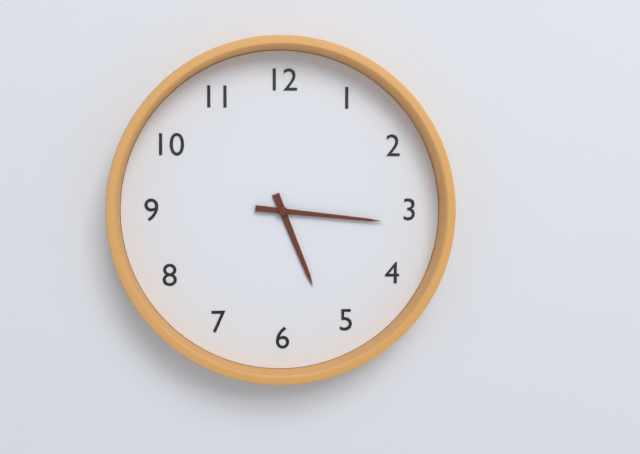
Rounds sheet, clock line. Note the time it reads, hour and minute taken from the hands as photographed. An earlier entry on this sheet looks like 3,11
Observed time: 5,16
